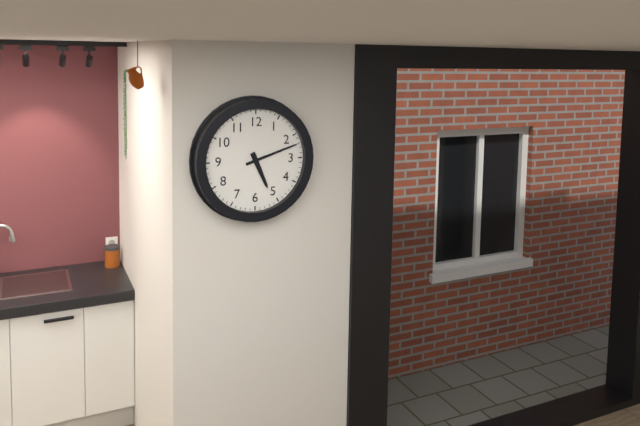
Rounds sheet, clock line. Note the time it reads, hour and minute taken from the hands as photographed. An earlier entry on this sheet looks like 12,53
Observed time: 5,12
